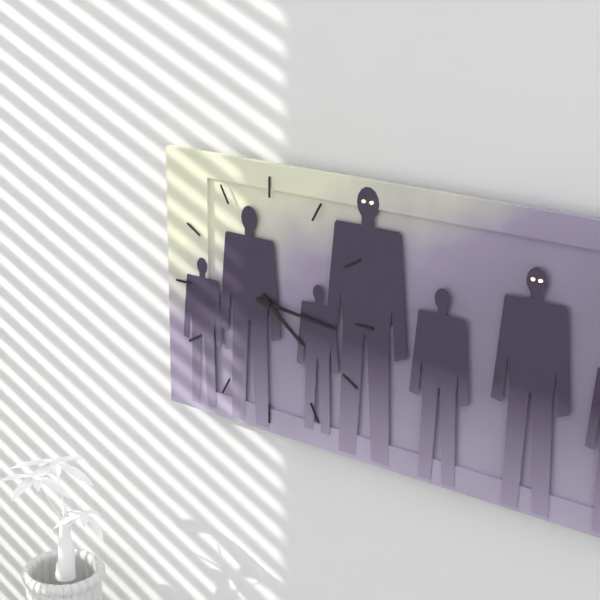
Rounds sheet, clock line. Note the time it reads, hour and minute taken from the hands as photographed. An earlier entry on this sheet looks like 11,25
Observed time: 4,16
